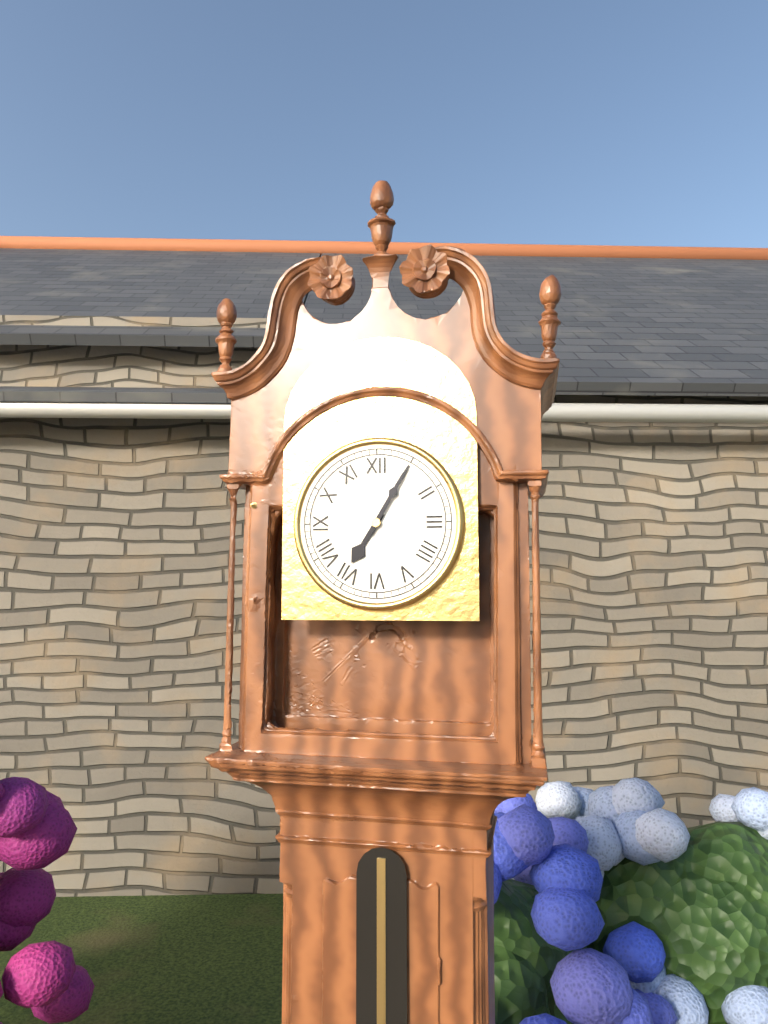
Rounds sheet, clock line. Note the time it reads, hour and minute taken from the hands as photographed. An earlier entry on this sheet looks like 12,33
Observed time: 7,05
